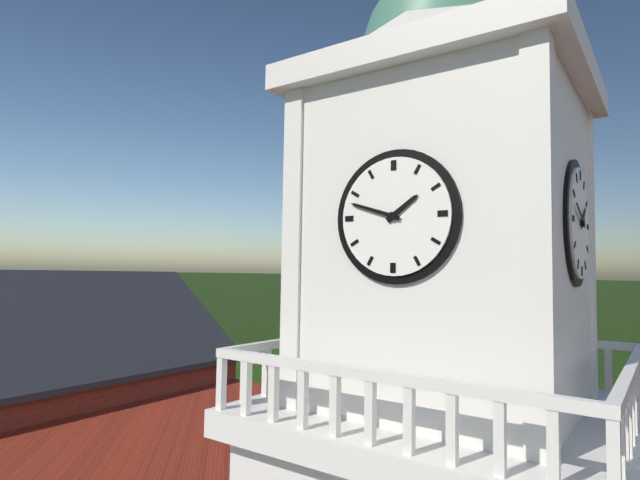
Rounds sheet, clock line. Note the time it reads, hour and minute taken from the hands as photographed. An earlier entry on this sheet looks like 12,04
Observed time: 1,48
